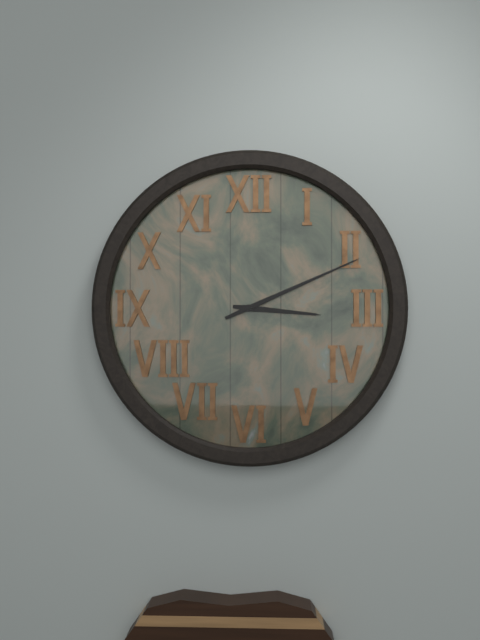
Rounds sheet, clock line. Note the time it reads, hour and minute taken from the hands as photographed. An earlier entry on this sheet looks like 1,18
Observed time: 3,11
